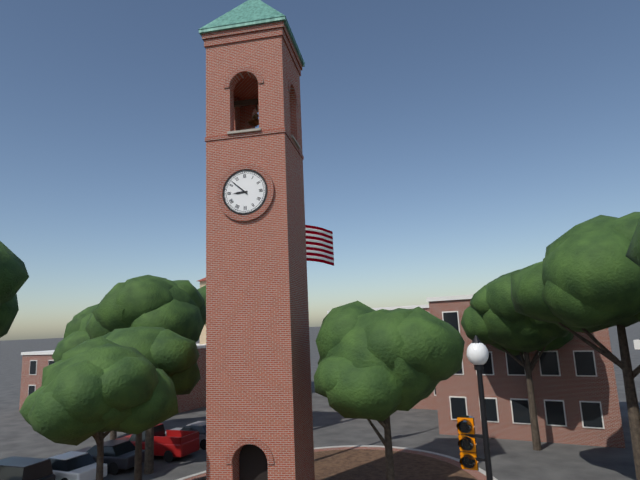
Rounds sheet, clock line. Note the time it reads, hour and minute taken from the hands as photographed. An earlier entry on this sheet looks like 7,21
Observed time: 8,52
